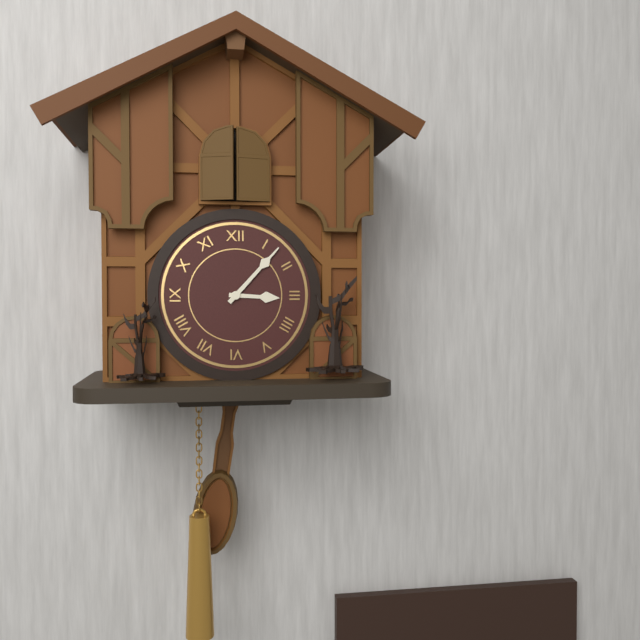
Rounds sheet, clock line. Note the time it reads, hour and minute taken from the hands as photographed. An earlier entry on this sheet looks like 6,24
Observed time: 3,07
